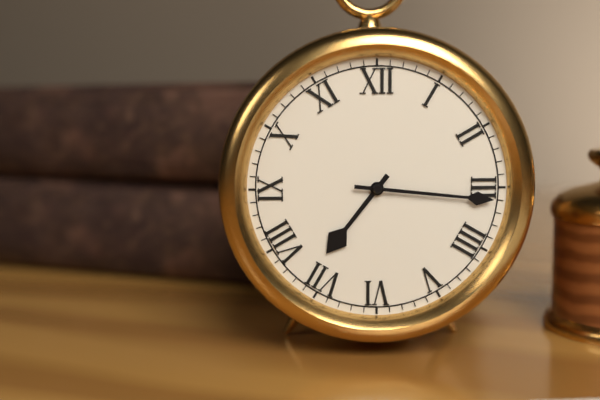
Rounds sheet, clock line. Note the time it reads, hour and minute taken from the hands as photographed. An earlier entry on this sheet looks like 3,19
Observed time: 7,16
